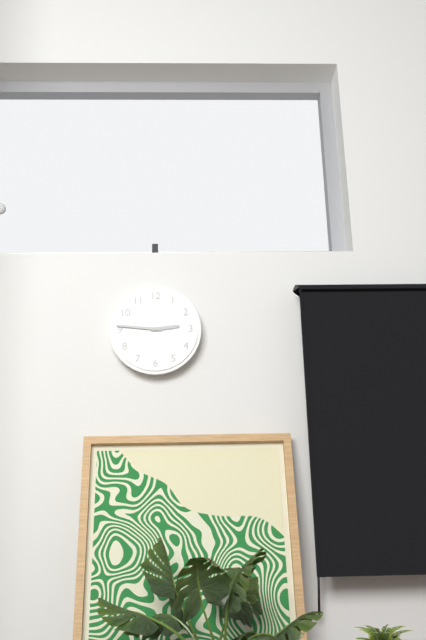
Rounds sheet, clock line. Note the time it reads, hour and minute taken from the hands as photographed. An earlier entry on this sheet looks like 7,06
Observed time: 2,46
